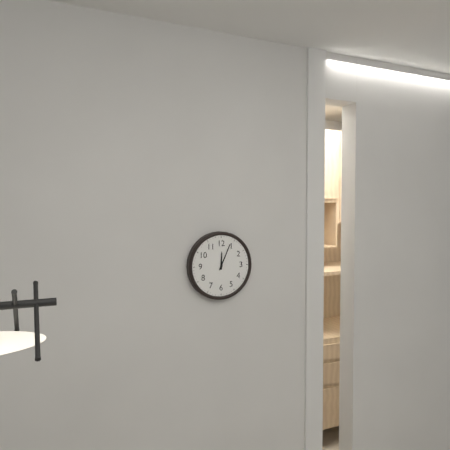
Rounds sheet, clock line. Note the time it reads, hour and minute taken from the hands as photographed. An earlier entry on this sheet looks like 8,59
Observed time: 12,04
